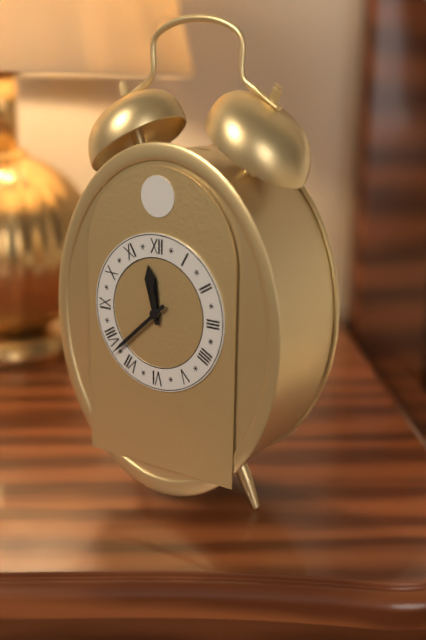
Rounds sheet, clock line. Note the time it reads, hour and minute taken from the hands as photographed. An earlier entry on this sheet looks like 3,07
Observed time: 11,38
